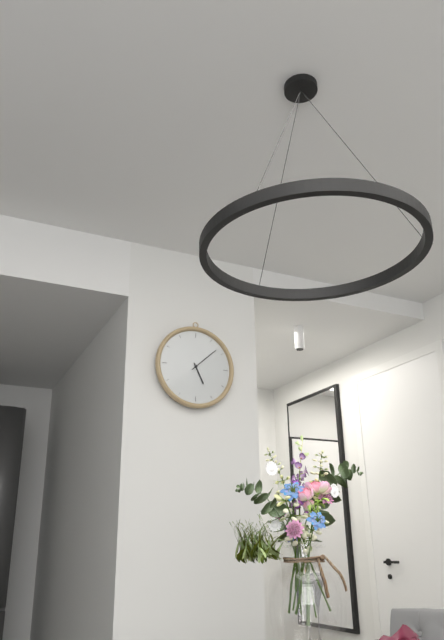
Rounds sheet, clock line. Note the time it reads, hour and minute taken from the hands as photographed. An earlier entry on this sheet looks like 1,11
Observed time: 5,08
